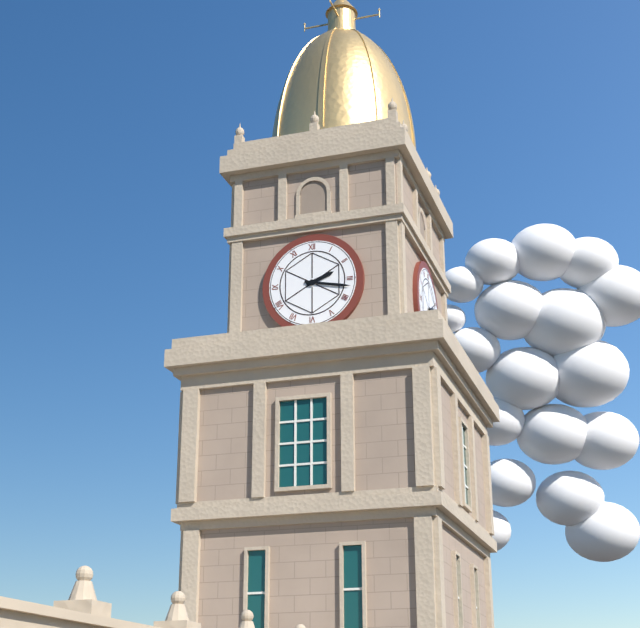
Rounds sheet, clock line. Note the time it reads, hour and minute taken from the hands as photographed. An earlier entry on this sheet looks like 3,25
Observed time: 2,17
